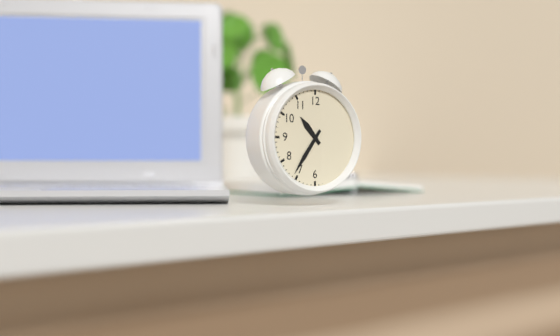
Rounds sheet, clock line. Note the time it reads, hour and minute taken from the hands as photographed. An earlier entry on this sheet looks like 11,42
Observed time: 10,36
